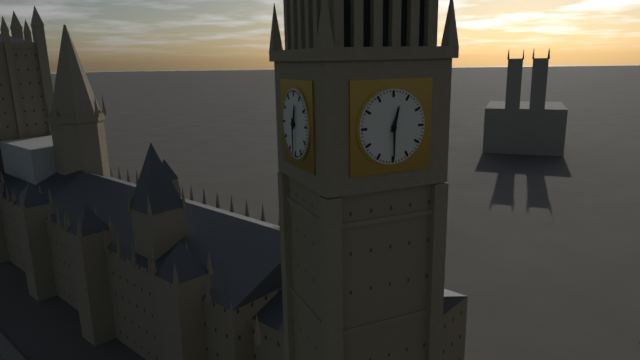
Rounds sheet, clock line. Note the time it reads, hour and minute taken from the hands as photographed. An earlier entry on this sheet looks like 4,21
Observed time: 12,30
